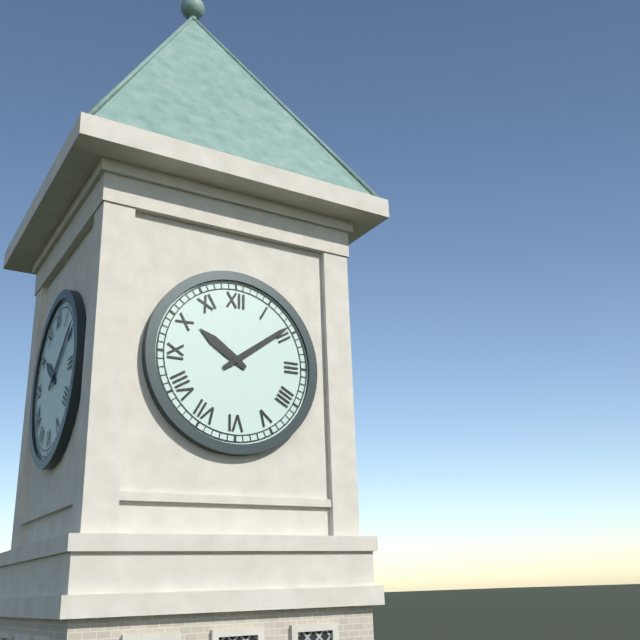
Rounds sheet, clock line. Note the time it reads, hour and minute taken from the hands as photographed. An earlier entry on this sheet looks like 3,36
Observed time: 10,09
